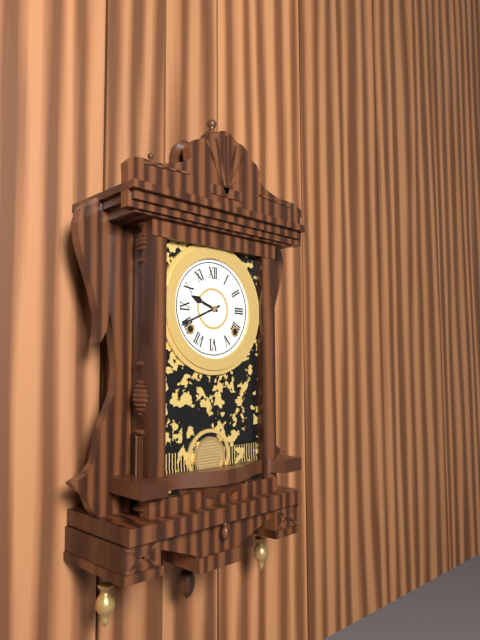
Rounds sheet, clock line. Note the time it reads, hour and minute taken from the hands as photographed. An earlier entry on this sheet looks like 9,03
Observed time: 9,41
